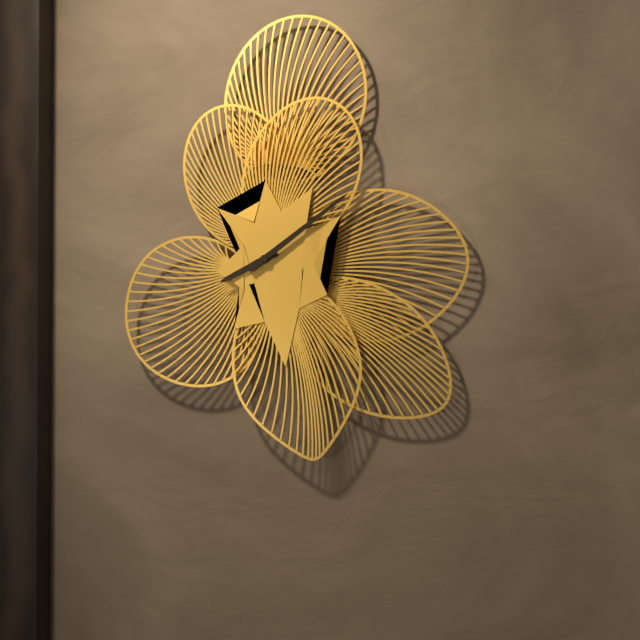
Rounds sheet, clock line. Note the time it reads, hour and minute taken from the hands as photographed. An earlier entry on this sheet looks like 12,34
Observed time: 8,09
